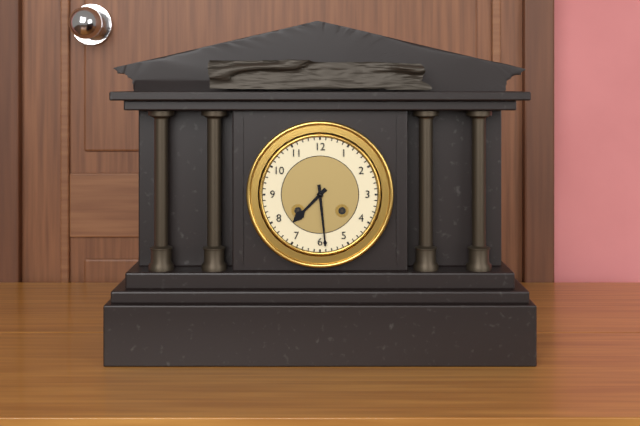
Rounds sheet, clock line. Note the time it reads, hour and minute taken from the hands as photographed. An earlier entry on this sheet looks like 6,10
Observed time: 7,29
